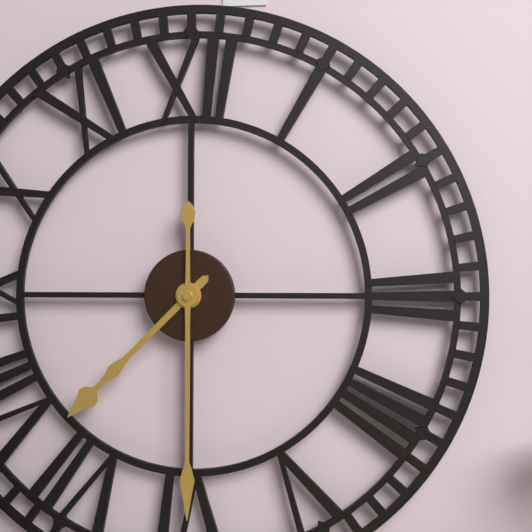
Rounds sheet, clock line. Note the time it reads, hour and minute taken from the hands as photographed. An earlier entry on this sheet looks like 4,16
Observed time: 7,30
